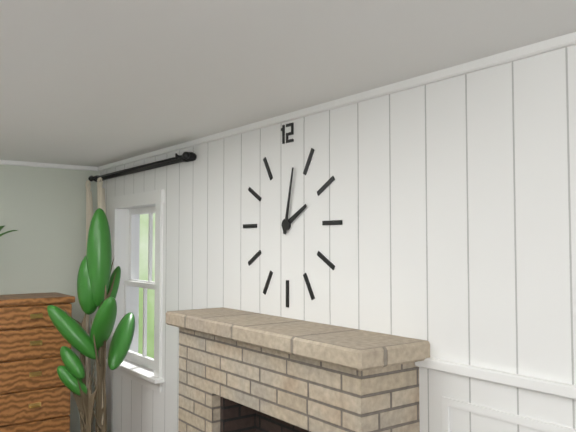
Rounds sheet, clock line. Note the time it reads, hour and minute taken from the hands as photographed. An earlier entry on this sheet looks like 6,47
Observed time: 2,02
